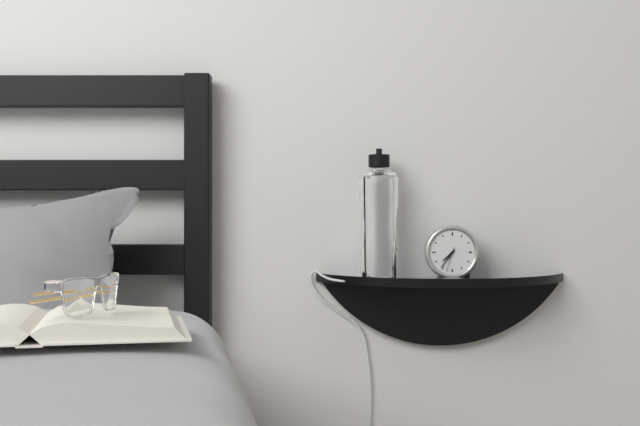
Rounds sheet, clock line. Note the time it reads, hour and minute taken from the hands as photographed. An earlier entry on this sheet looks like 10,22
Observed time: 7,36
